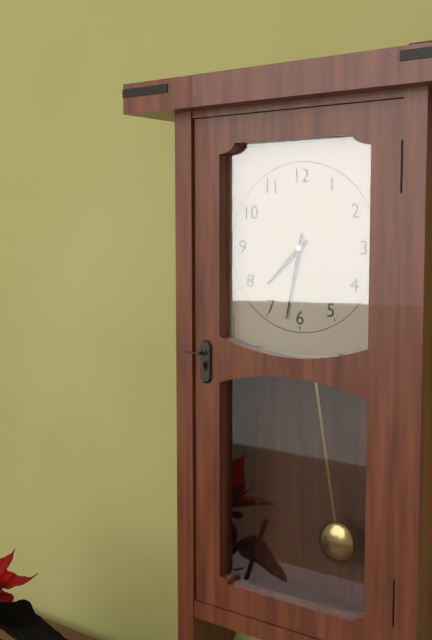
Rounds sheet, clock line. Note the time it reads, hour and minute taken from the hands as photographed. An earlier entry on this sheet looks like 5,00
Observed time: 7,32
